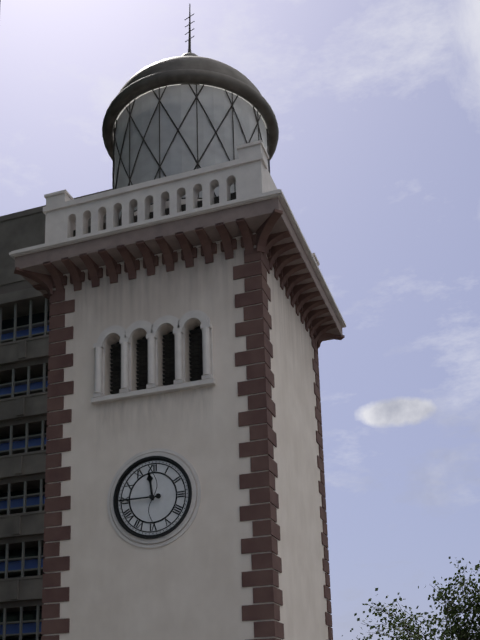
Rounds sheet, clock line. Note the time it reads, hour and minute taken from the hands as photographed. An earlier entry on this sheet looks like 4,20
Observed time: 11,45
